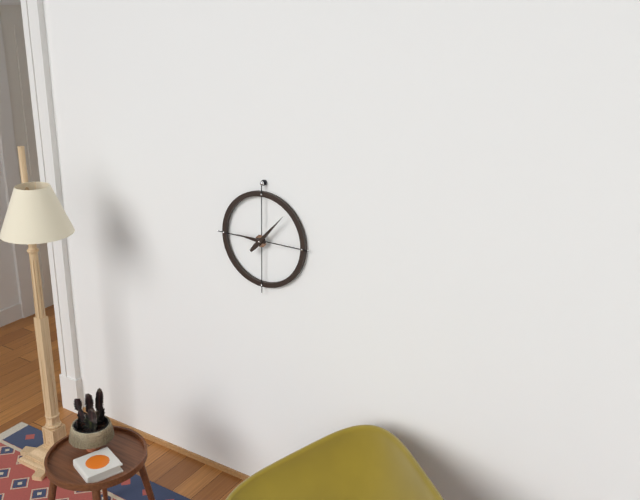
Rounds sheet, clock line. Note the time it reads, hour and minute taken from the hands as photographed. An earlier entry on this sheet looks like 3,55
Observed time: 9,07
